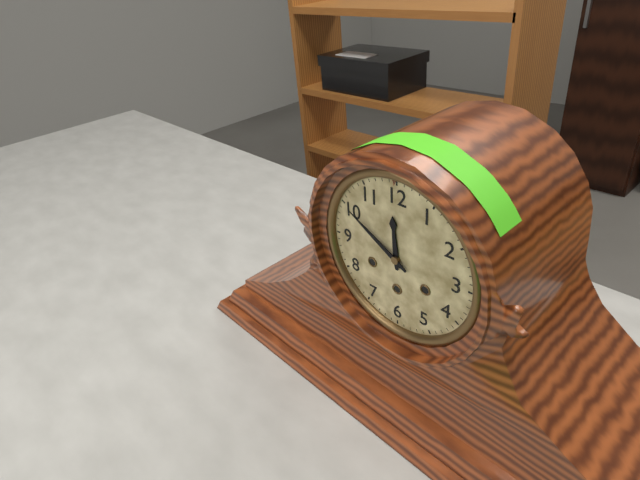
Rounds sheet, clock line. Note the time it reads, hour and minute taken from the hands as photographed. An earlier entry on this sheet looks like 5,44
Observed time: 11,50
